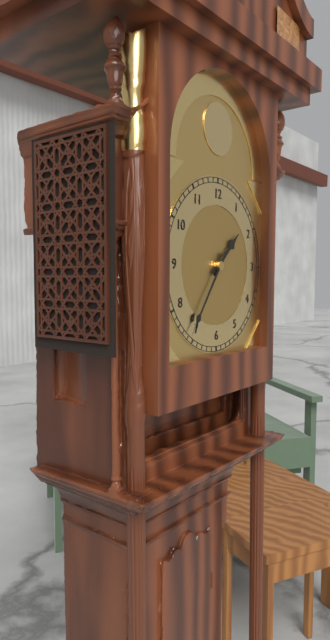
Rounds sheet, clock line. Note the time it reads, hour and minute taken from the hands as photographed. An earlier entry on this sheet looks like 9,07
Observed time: 1,36
